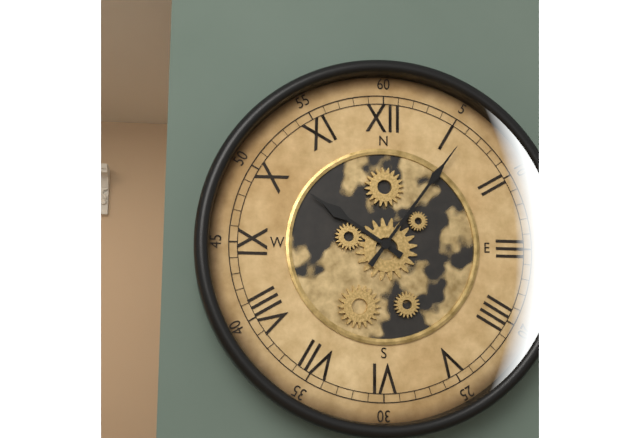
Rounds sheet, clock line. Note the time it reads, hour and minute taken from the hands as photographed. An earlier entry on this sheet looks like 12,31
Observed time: 10,06
